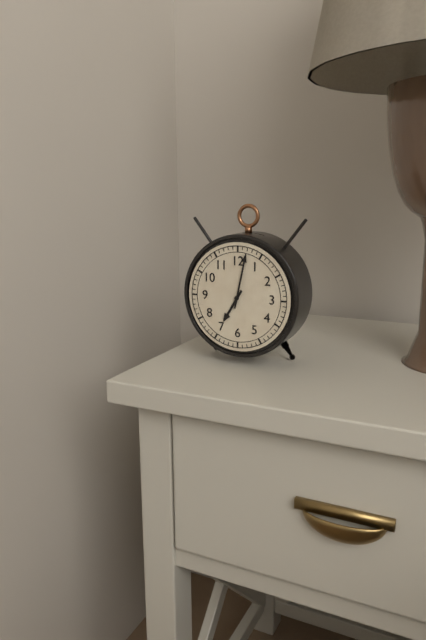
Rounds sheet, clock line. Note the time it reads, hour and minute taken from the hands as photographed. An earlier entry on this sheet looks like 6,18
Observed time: 7,02
